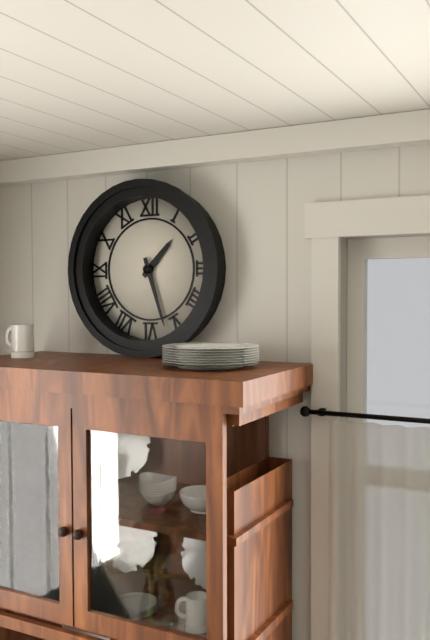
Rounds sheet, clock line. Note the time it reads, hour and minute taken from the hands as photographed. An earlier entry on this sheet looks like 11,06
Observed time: 1,27
